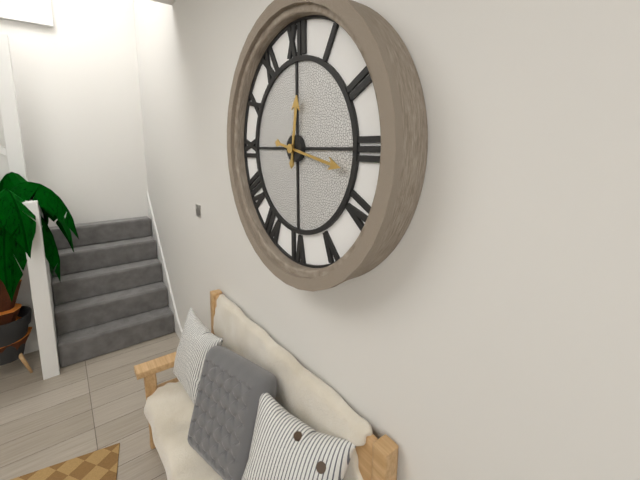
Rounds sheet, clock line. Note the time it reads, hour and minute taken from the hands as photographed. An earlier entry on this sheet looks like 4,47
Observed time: 12,17
